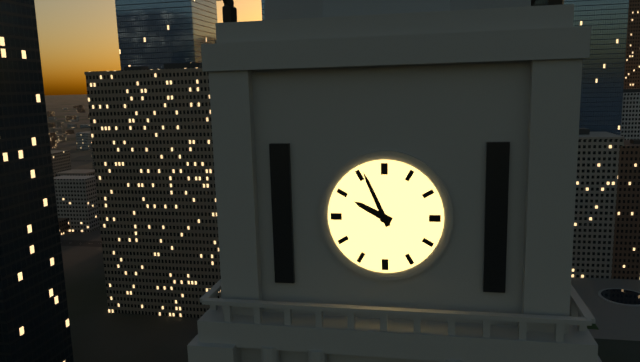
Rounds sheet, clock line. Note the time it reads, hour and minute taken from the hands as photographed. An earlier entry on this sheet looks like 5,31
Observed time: 9,56
